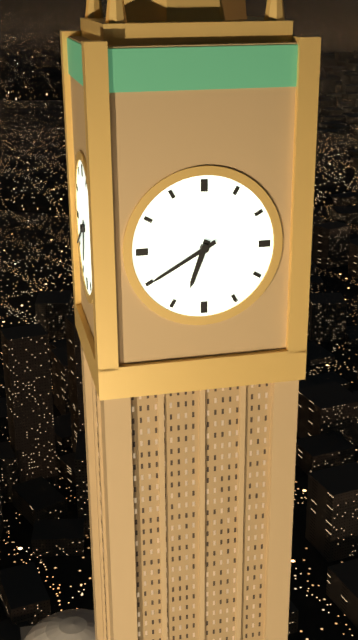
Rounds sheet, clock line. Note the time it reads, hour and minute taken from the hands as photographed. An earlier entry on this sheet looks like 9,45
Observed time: 6,40
